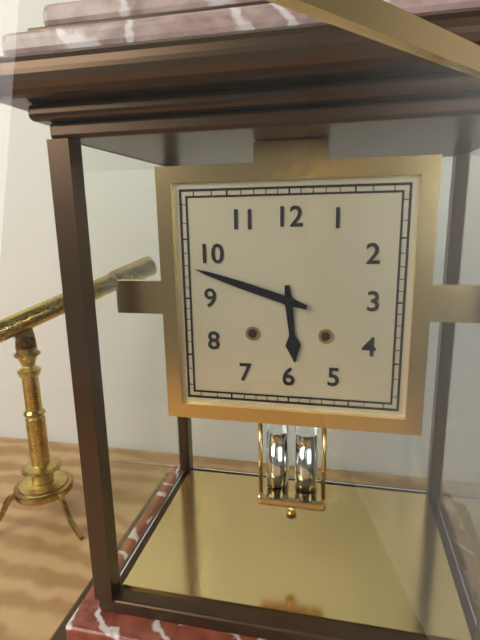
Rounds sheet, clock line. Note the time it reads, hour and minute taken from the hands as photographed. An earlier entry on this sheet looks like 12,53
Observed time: 5,48
